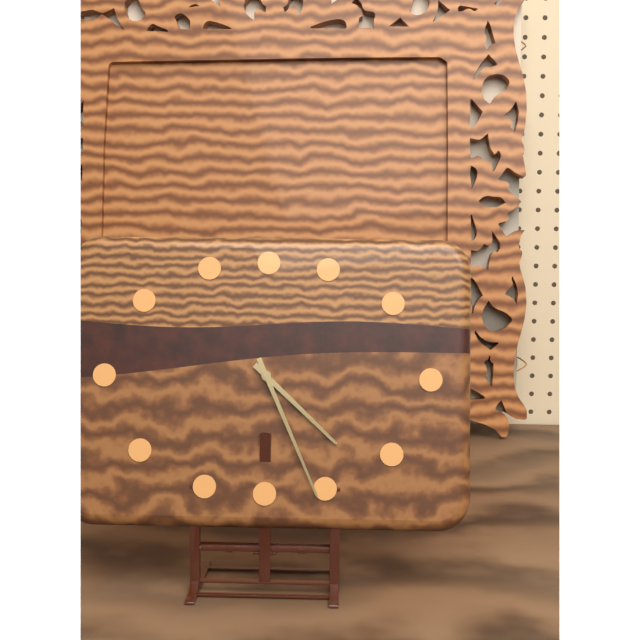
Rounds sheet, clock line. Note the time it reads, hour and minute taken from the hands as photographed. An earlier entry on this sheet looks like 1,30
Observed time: 4,26
